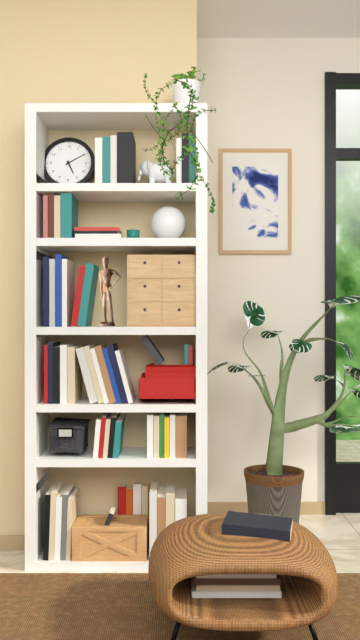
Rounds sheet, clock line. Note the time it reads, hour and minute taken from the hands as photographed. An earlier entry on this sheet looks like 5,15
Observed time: 5,10
